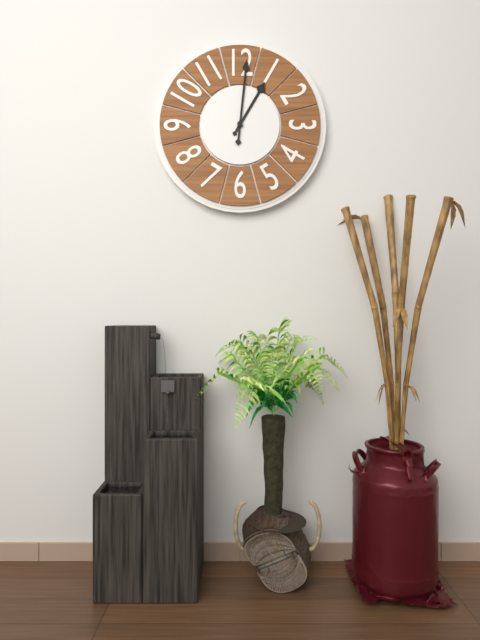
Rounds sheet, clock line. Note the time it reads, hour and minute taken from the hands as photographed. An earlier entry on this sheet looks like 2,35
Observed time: 1,01
